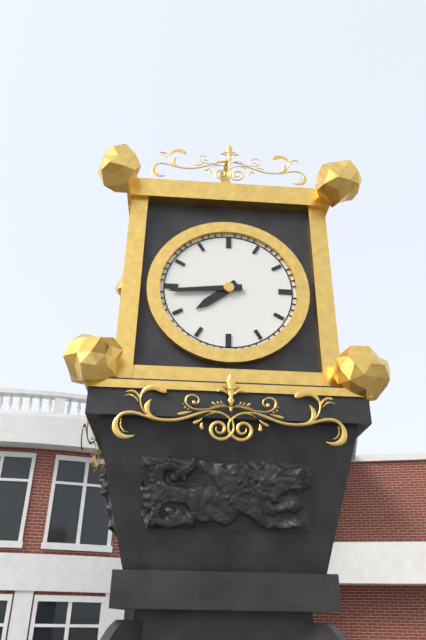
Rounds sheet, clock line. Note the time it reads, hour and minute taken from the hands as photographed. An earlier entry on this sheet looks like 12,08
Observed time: 7,44
